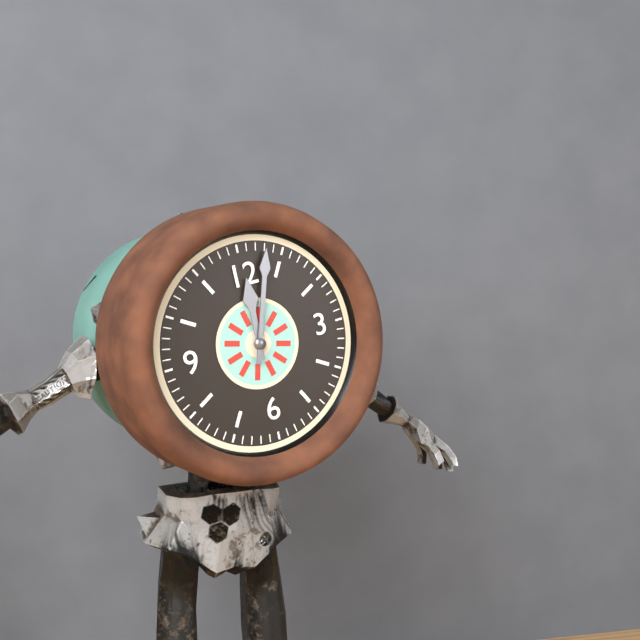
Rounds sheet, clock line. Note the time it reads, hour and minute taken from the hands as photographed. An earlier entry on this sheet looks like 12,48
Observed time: 12,03
